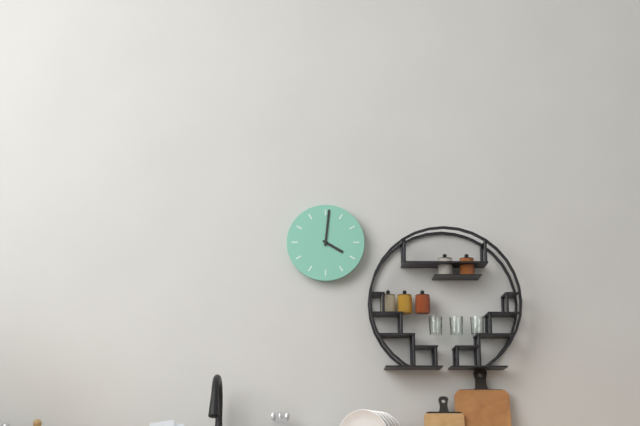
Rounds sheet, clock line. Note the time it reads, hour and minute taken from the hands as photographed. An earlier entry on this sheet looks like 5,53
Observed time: 4,01
